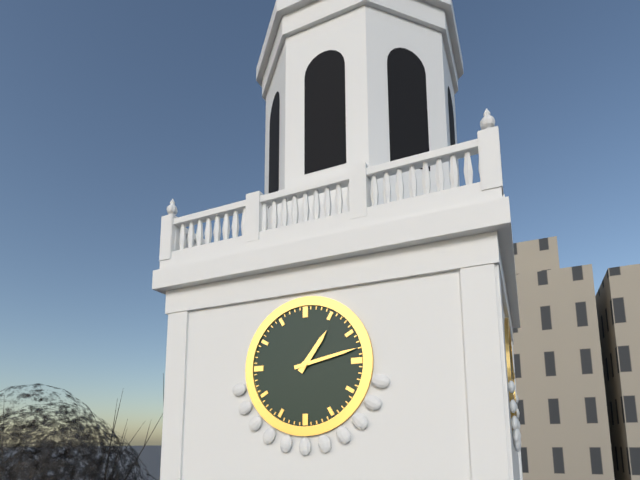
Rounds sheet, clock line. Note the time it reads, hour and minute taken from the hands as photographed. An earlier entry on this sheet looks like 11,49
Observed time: 1,13
